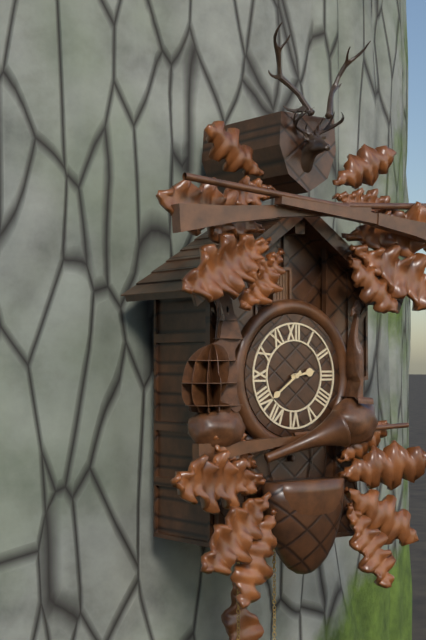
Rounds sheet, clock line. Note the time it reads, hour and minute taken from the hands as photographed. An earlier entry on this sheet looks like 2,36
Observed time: 2,39
